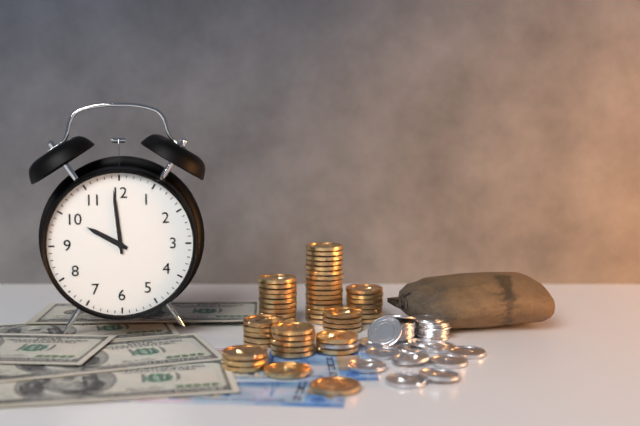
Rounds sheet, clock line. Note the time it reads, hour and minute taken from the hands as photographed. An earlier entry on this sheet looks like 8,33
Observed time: 9,59
